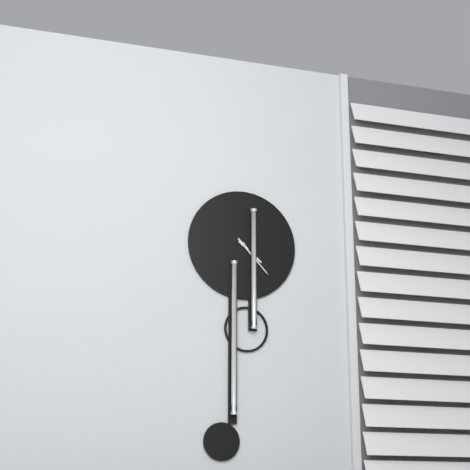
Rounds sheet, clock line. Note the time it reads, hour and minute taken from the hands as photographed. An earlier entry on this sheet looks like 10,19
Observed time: 4,23
